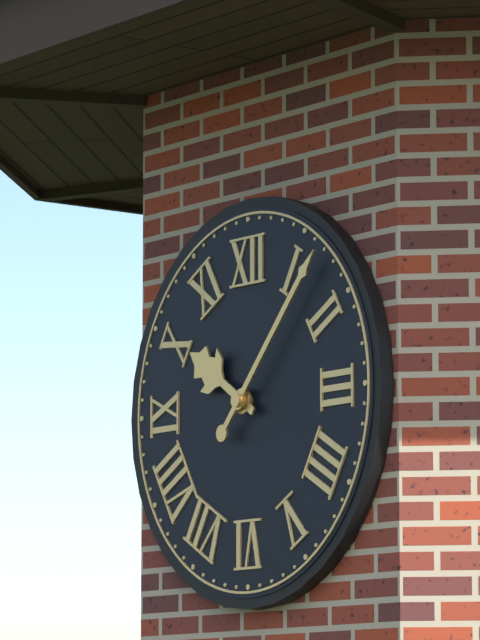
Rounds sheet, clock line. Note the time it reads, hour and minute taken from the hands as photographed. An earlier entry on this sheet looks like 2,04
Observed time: 10,07
